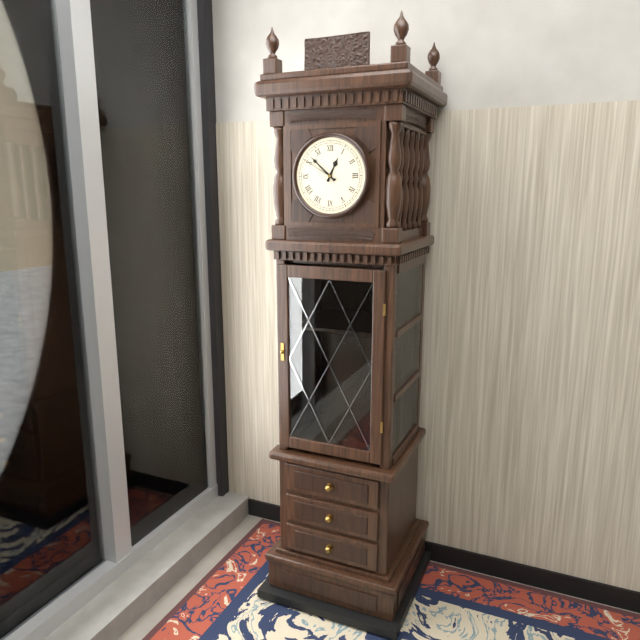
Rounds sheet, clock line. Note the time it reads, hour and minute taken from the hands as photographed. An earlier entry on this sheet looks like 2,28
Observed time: 12,52
